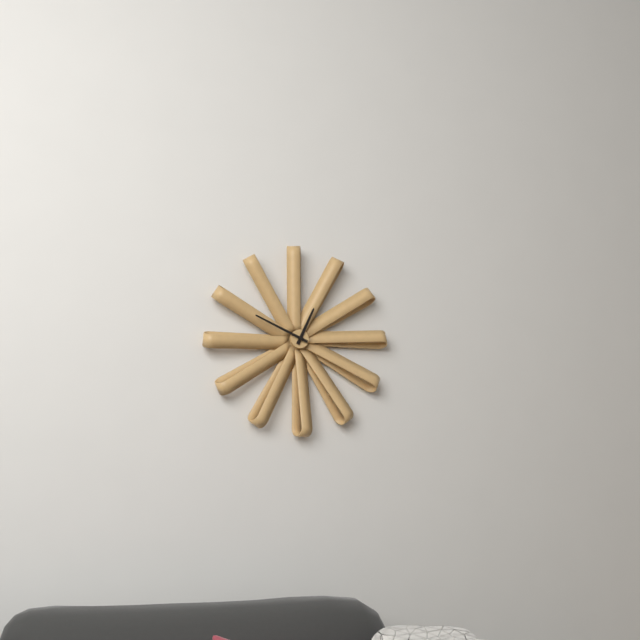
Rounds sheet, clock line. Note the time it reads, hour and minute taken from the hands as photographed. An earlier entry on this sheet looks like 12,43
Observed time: 12,49
